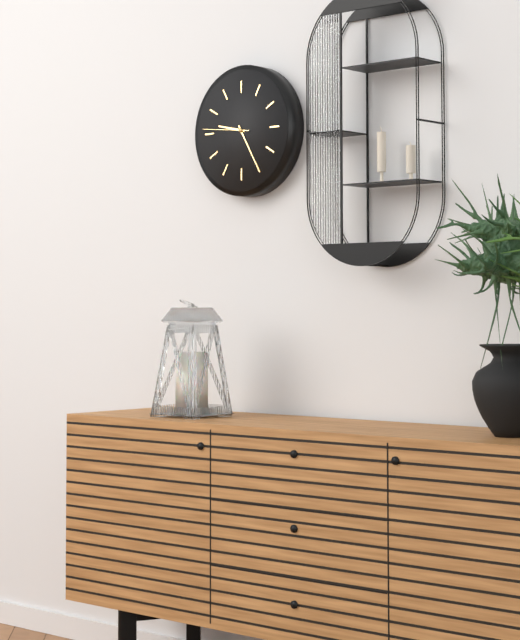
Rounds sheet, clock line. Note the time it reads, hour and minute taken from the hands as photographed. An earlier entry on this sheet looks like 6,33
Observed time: 9,25
